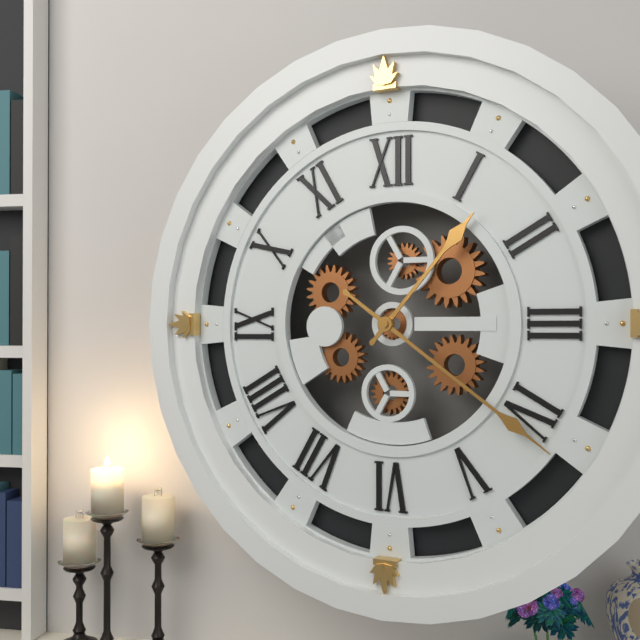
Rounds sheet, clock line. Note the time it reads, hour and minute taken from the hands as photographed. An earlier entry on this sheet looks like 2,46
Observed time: 1,21
